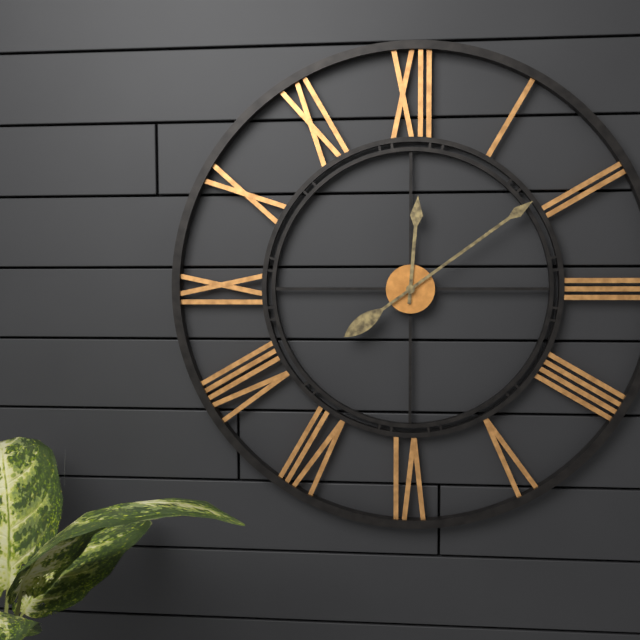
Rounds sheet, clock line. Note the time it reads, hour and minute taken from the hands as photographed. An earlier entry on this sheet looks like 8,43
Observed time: 12,09
